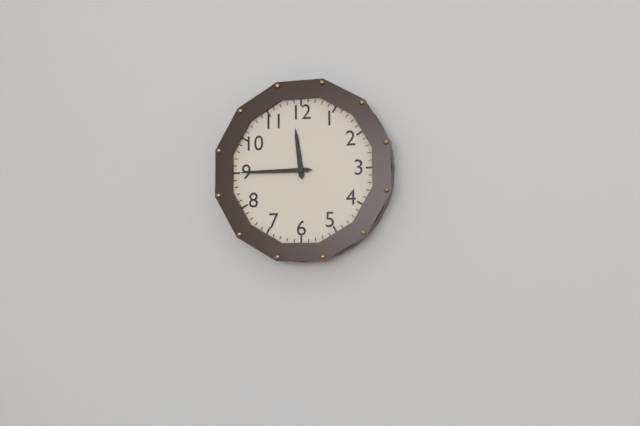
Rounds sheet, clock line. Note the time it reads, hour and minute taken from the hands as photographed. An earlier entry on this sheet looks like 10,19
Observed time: 11,45
